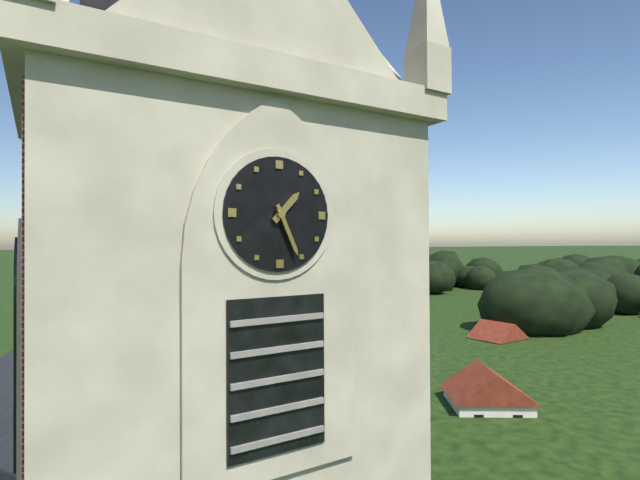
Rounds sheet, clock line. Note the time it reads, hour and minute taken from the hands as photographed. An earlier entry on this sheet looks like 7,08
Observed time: 1,26
